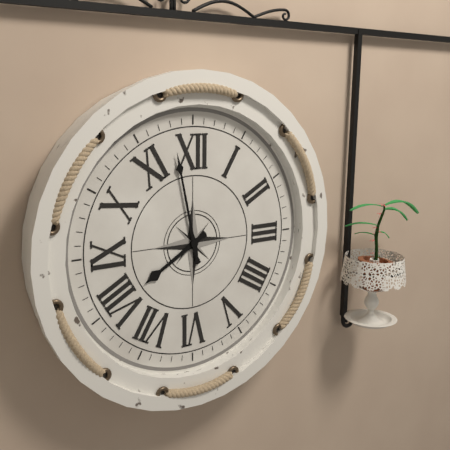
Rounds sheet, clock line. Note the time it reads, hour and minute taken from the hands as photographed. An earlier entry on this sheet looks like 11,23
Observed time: 7,58
